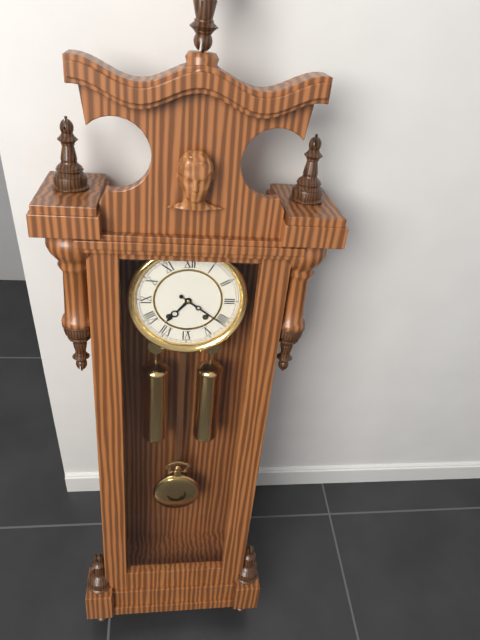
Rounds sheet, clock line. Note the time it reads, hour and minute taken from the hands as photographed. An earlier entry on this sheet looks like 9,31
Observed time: 7,21
